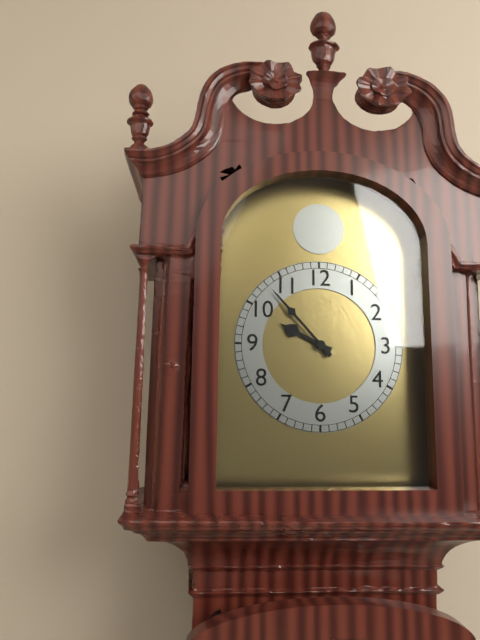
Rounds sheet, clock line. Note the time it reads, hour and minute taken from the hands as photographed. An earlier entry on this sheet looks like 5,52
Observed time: 9,53
